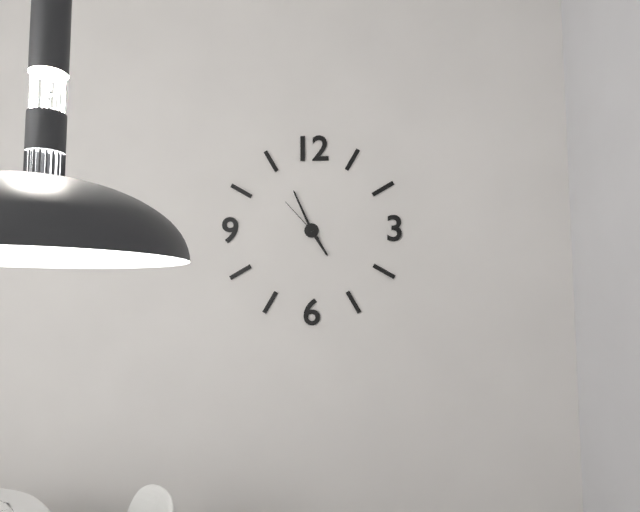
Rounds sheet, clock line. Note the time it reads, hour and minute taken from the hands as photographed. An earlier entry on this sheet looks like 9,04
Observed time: 4,56
